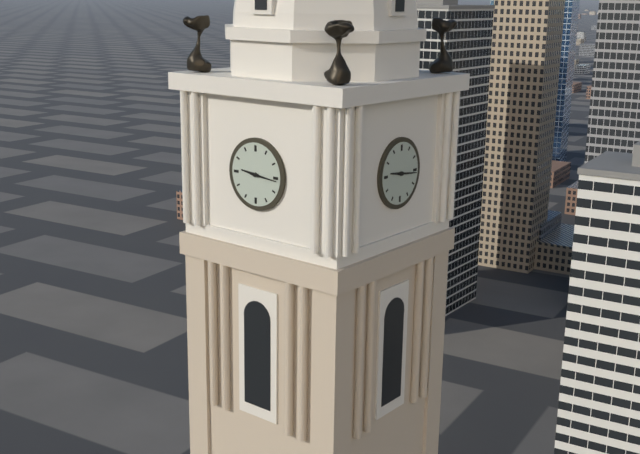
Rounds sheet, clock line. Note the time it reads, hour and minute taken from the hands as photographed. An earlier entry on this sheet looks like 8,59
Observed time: 9,16
